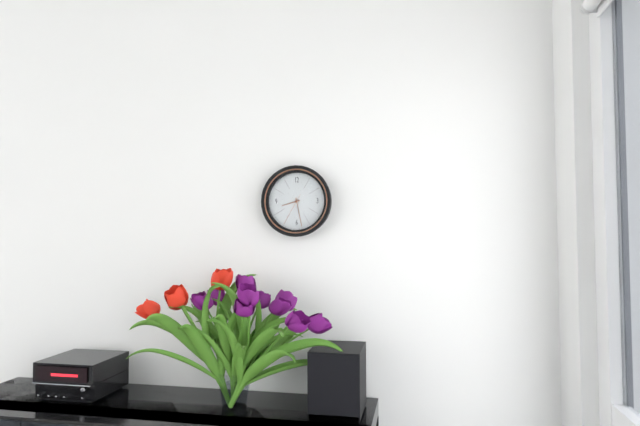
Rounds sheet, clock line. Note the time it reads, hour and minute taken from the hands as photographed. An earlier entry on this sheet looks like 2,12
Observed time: 8,28
